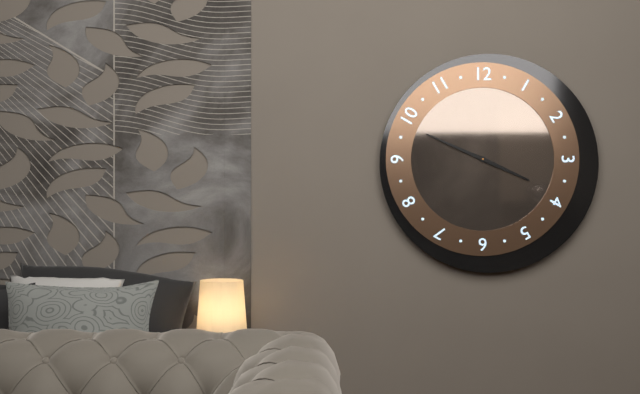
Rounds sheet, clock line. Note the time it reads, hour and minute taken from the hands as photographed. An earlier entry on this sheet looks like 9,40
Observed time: 3,49
